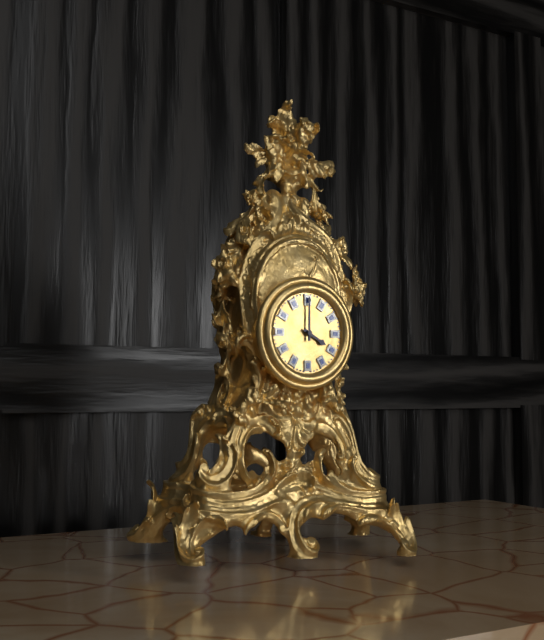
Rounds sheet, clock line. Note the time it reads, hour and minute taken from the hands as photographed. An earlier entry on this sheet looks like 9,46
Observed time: 4,00
